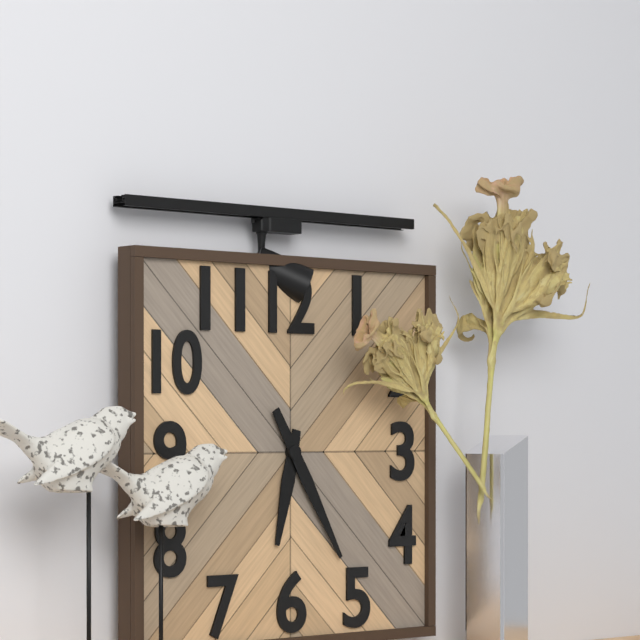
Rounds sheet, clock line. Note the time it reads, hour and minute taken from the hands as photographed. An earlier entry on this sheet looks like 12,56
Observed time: 6,25
